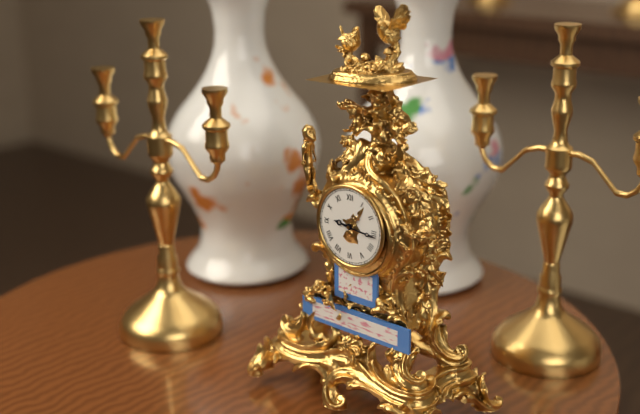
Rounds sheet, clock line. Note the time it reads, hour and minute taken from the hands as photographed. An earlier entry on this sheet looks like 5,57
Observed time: 9,16
